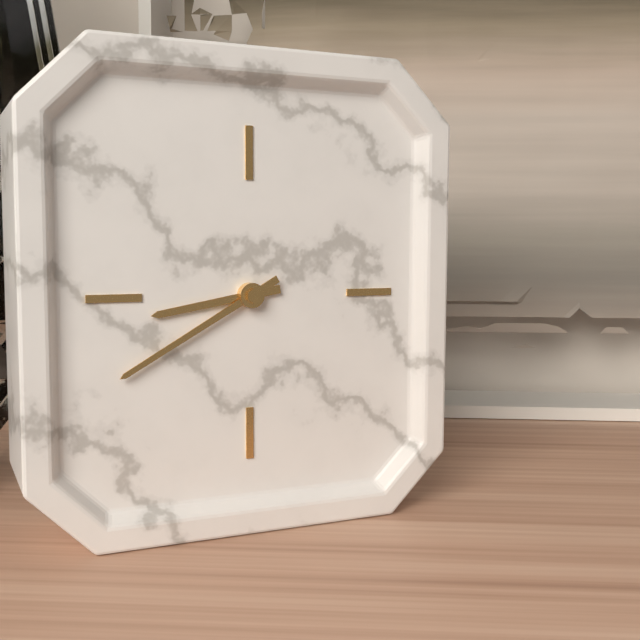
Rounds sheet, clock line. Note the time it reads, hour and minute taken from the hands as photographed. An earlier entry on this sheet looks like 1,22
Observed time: 8,40
